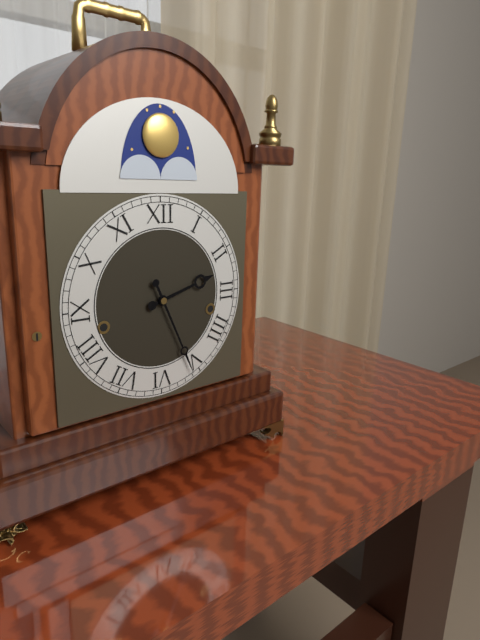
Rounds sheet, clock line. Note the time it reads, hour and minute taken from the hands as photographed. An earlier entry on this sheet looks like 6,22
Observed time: 2,26
